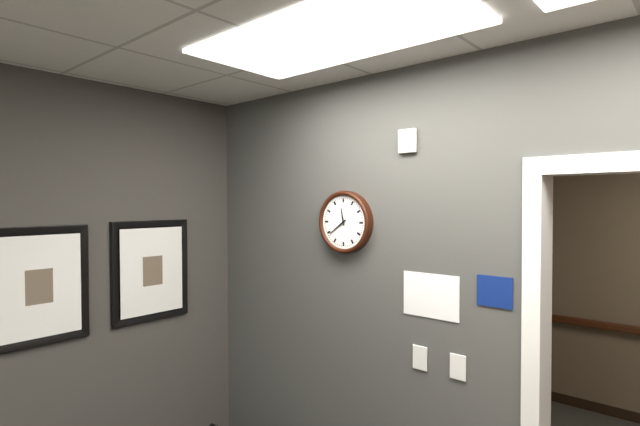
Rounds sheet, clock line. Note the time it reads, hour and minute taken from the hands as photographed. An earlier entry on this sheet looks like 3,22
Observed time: 11,39
